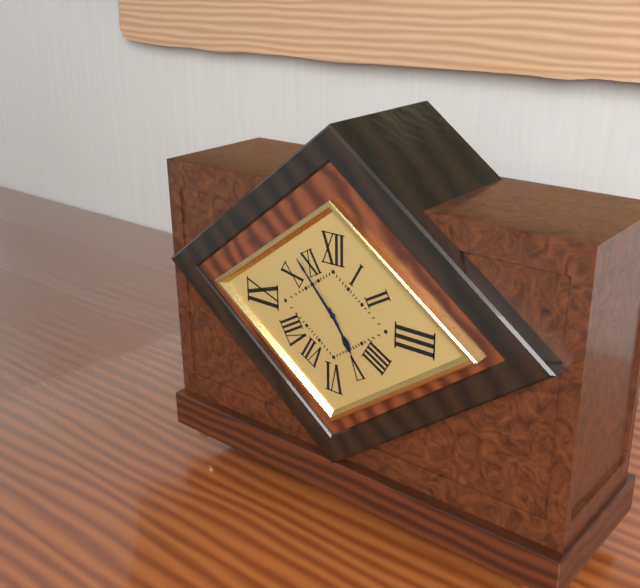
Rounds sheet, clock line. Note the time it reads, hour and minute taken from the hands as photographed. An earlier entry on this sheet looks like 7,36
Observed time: 4,53
